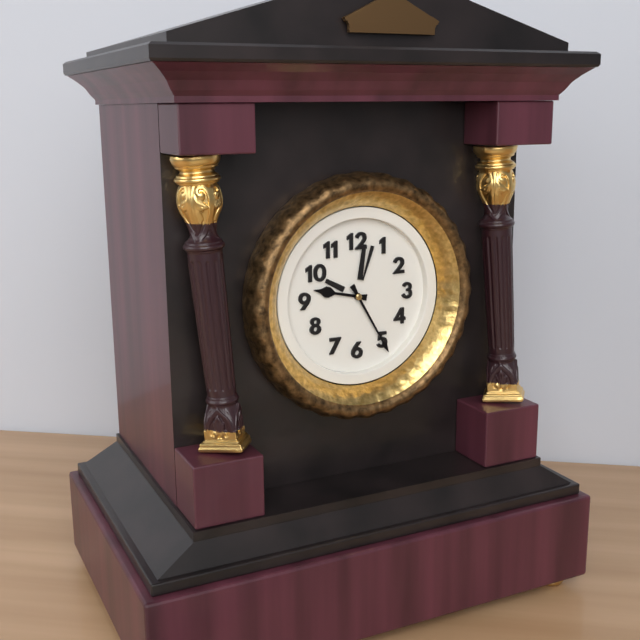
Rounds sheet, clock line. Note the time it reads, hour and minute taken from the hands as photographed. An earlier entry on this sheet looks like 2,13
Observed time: 9,25
